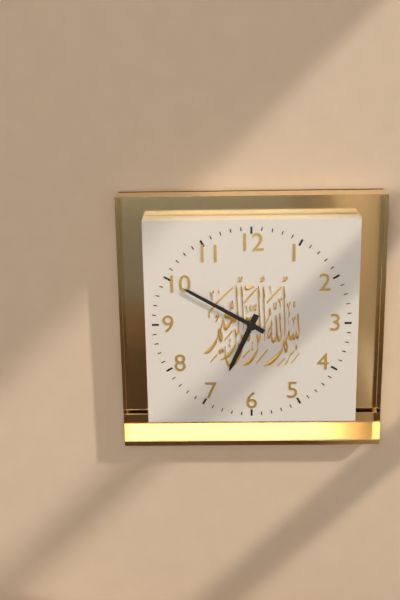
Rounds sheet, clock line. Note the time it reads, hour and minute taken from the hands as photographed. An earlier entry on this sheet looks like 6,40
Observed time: 6,50
